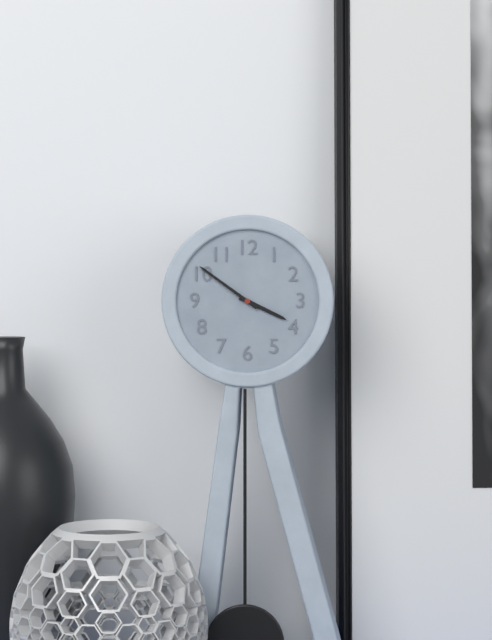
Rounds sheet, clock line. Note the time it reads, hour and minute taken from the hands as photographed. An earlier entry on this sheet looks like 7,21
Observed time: 3,51
